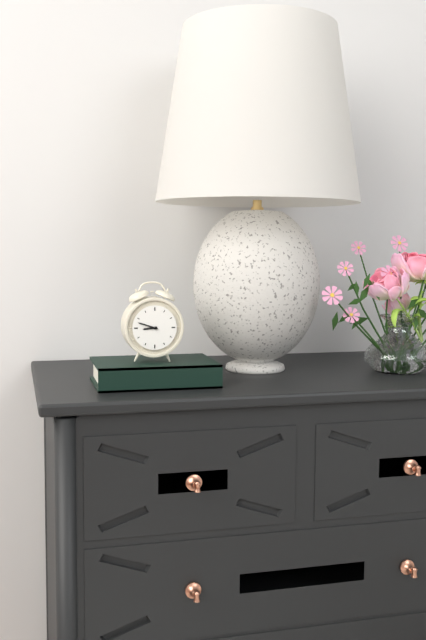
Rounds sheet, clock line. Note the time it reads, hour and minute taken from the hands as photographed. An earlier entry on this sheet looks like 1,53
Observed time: 8,48
